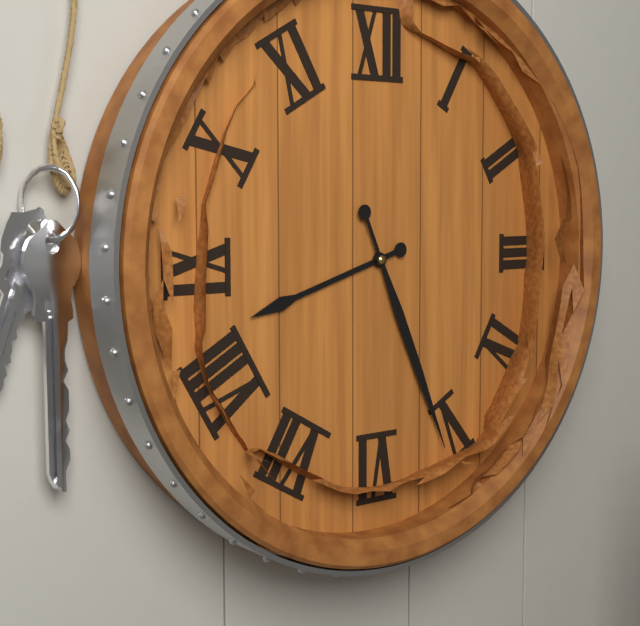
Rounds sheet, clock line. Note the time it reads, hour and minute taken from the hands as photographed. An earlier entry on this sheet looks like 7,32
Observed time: 8,26
